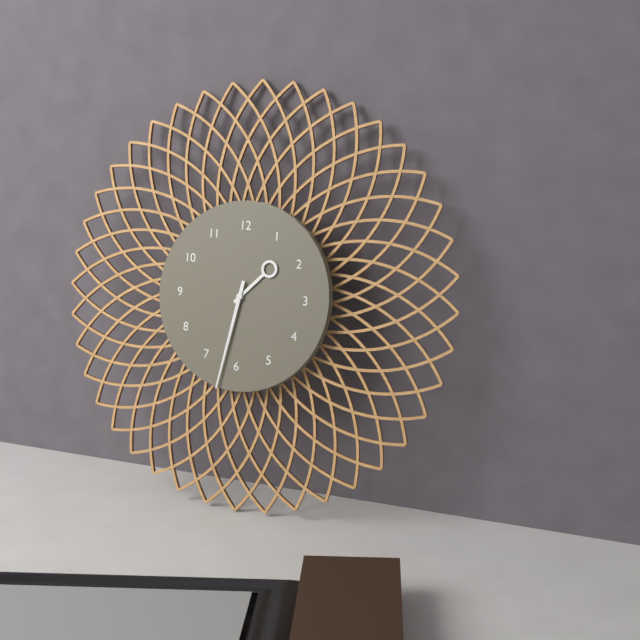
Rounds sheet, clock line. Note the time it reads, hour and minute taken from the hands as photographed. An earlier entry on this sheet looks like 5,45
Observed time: 1,32
